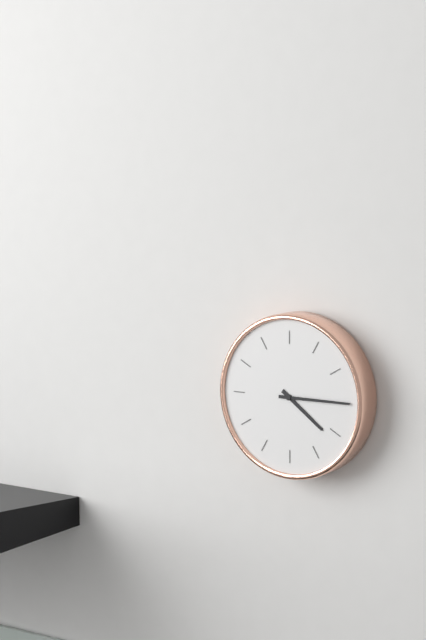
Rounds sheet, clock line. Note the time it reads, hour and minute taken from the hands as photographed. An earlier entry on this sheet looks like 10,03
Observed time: 4,15
